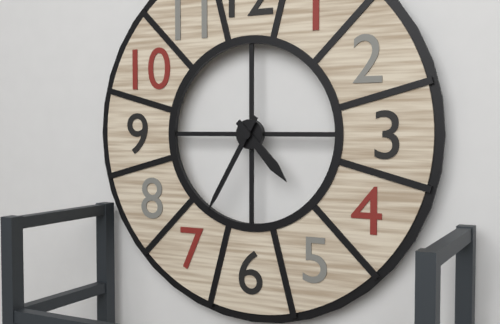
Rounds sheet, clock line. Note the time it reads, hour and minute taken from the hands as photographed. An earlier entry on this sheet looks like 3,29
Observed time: 4,35
